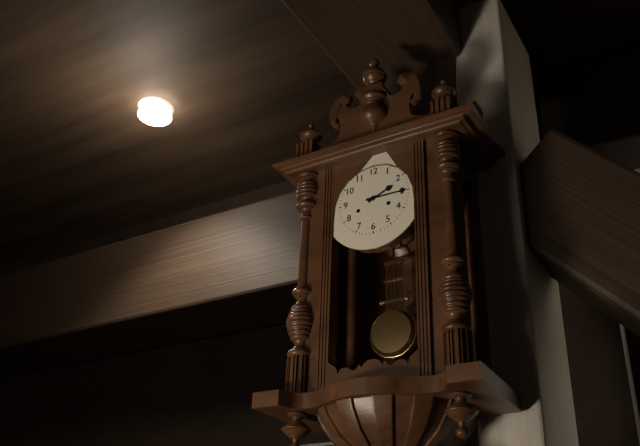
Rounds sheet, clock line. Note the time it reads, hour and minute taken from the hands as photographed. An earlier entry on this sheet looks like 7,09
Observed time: 2,15
